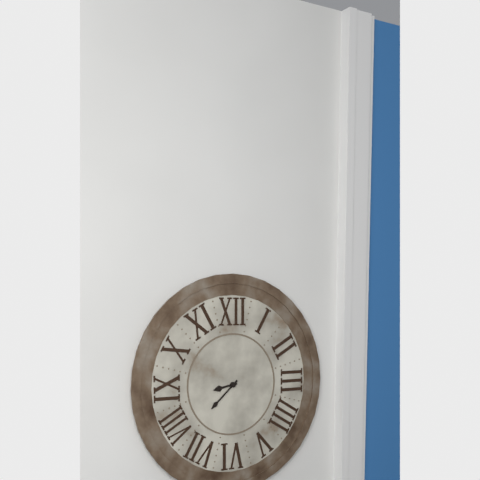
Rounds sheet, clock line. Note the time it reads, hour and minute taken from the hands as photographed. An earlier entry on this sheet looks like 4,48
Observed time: 8,38
